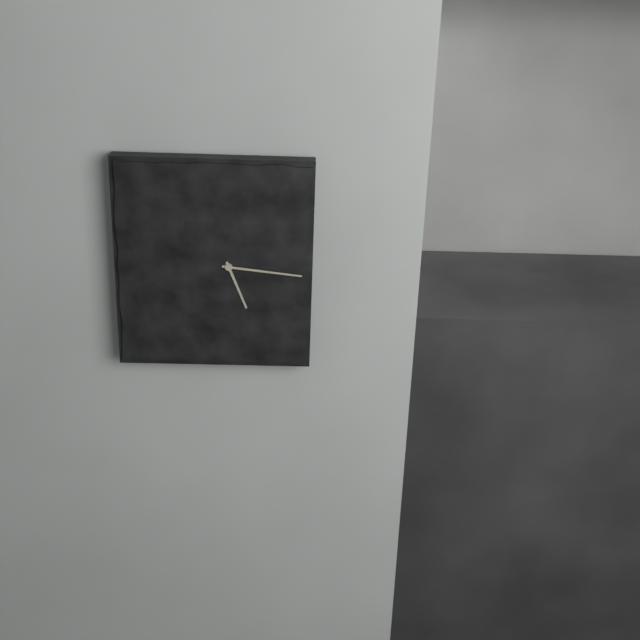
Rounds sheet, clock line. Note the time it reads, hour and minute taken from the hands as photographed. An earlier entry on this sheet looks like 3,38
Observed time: 5,16
